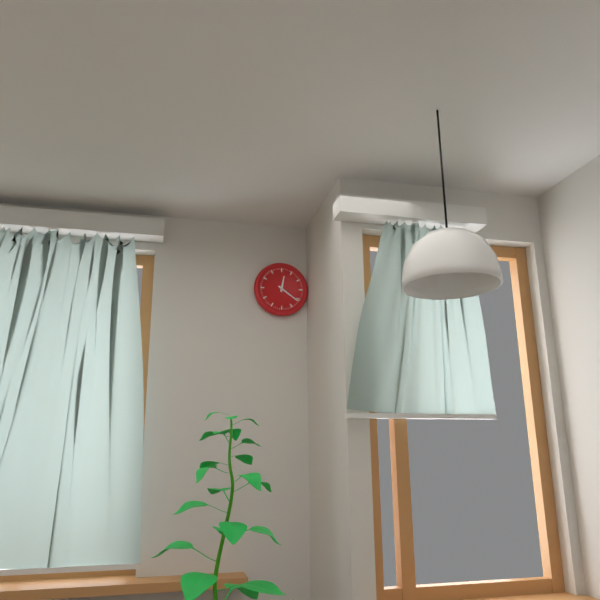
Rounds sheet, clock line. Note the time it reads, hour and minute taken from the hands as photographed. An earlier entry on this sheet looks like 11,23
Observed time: 12,21
